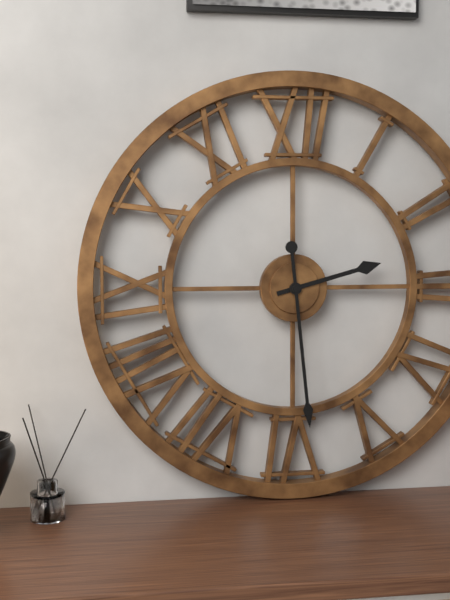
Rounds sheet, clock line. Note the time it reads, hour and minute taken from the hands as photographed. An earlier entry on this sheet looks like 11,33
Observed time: 2,29
